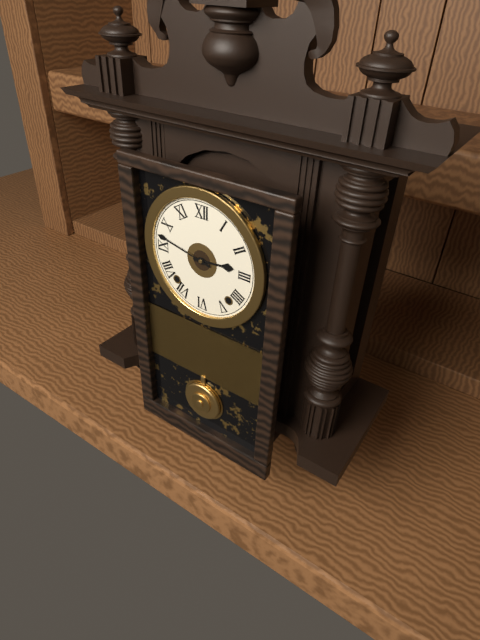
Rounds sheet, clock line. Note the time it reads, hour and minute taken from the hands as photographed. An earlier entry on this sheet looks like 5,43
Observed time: 2,47
